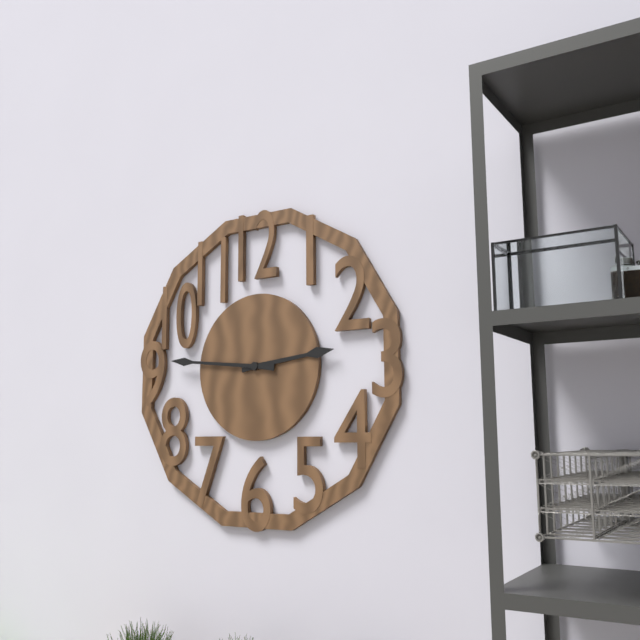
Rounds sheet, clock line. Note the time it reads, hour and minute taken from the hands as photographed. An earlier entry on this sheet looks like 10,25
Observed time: 2,46
